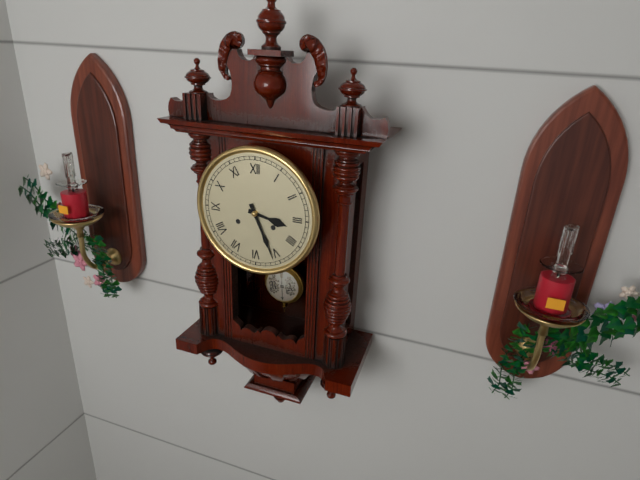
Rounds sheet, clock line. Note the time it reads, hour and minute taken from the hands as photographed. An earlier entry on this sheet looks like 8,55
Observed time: 3,26
